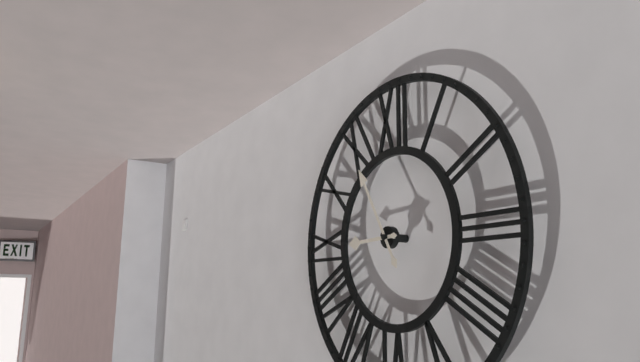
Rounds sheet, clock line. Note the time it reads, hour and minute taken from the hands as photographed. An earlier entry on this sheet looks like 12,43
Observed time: 8,55
